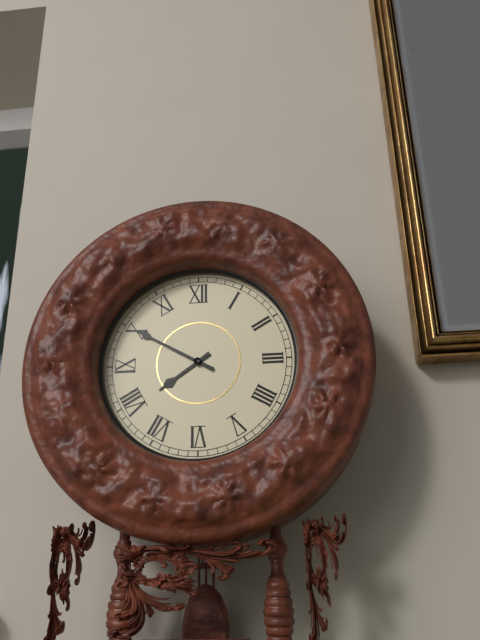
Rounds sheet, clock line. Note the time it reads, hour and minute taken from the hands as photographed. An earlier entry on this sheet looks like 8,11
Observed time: 7,50
